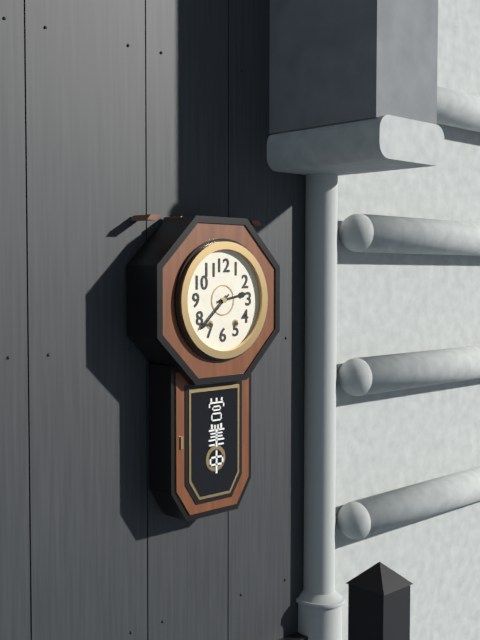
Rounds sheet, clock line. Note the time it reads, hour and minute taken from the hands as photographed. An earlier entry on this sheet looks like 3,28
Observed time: 2,38
